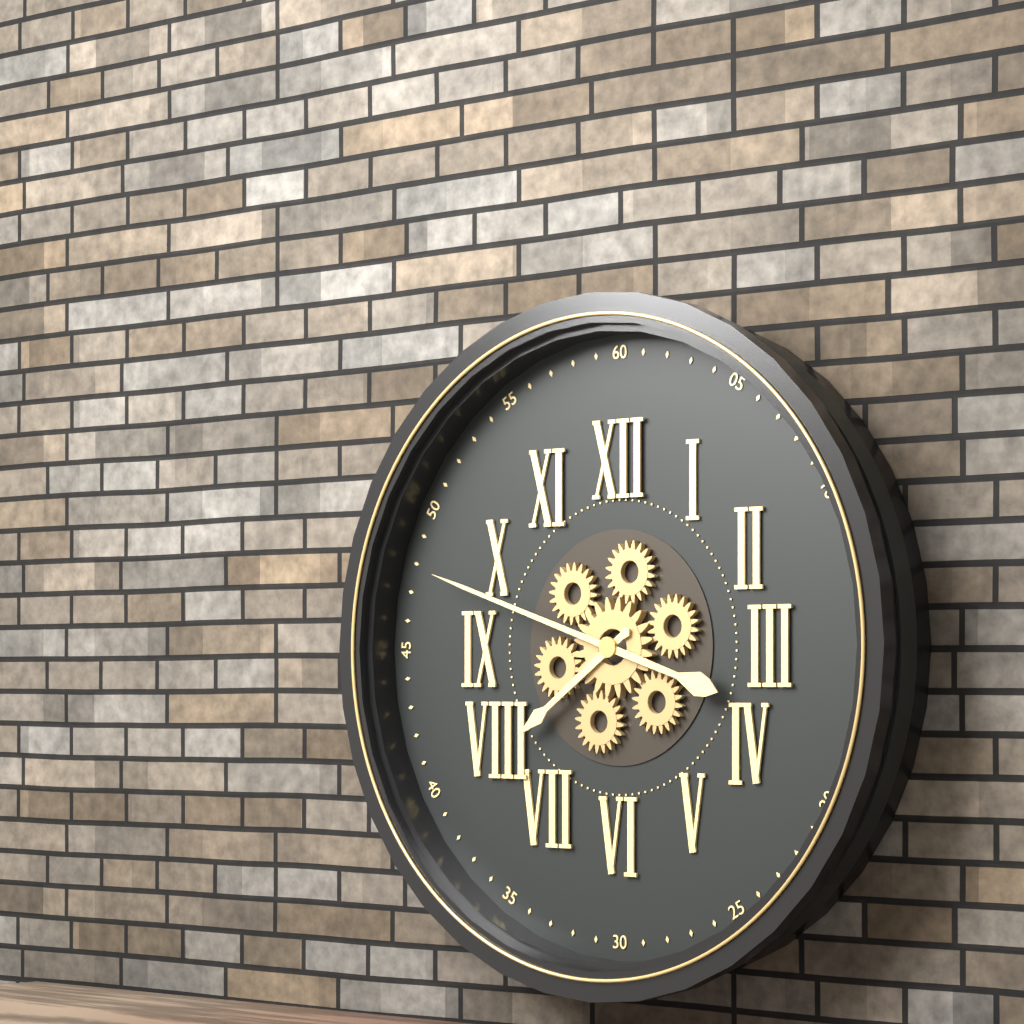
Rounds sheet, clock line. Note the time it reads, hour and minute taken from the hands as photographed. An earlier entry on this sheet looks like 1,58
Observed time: 7,48
